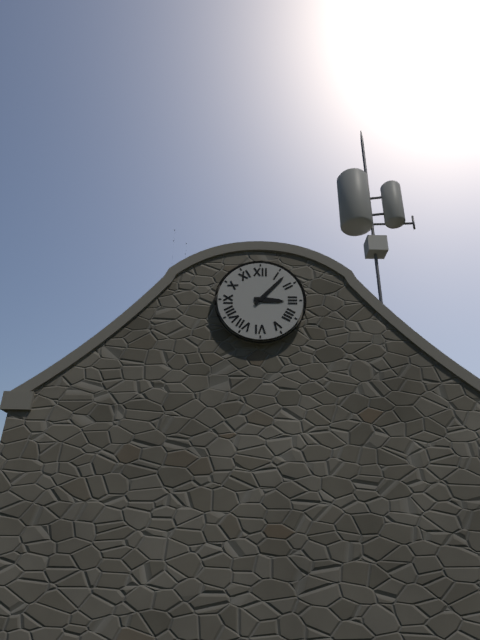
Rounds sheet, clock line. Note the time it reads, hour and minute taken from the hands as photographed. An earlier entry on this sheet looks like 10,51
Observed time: 3,07
